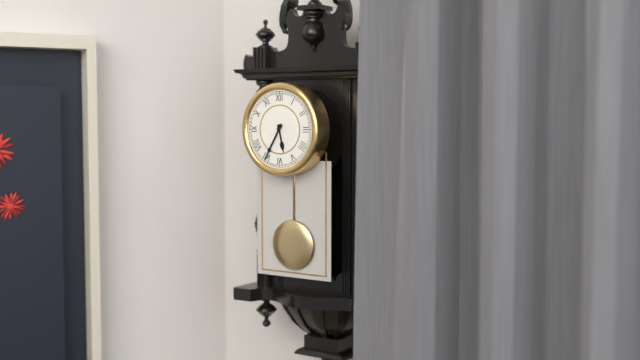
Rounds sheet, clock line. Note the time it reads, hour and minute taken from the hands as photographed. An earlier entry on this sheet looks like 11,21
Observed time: 5,35
